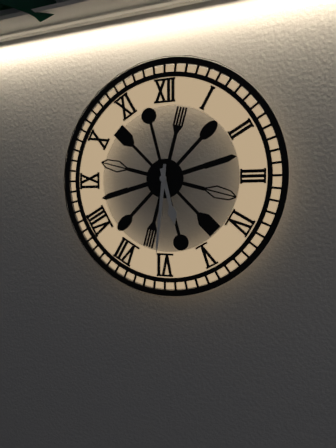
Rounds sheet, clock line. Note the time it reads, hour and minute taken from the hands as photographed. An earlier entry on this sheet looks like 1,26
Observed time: 5,31
